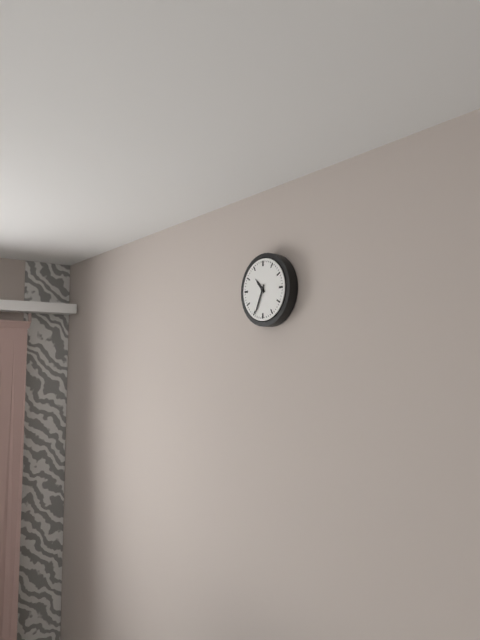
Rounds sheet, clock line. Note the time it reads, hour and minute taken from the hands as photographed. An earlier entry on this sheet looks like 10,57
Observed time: 10,34
